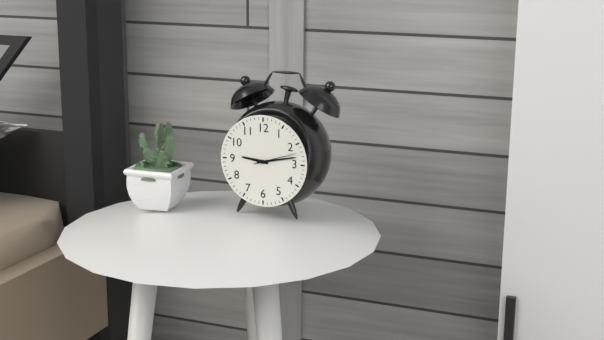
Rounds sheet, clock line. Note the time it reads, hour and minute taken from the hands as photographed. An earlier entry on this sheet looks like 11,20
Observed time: 9,13
